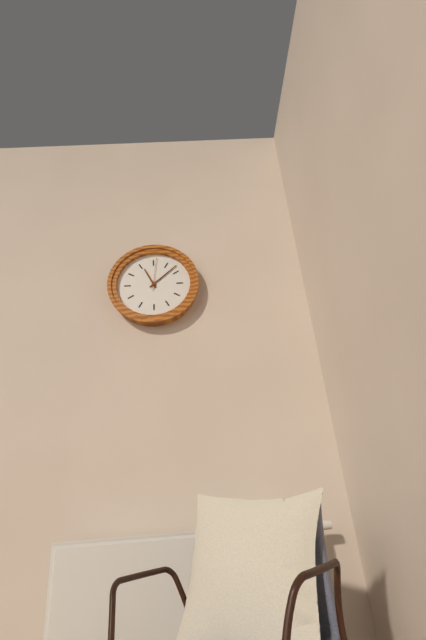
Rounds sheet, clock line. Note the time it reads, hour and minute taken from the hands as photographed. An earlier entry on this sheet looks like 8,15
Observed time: 11,08
